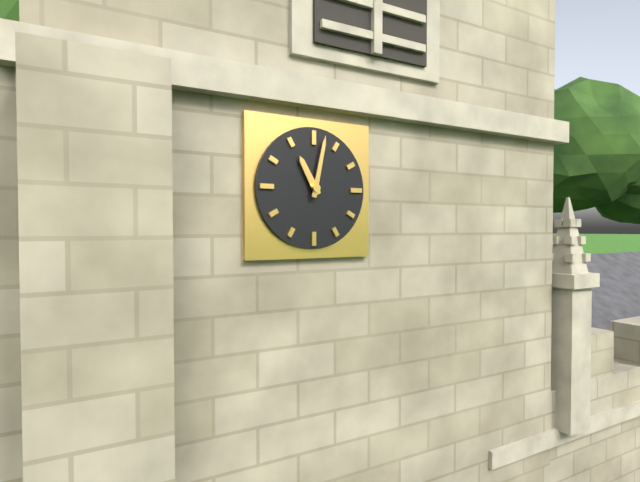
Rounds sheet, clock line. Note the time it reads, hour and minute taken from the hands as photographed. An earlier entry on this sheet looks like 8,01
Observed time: 11,02
